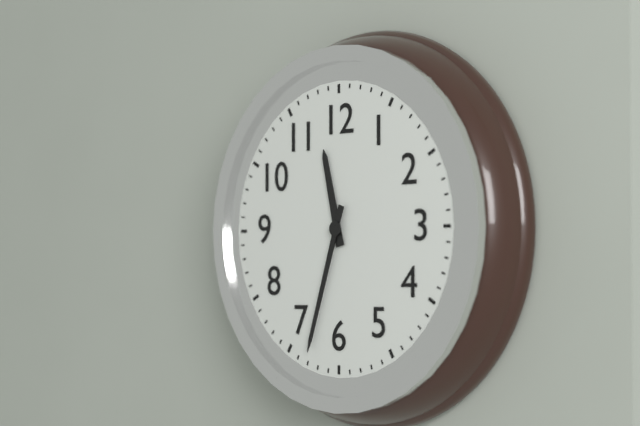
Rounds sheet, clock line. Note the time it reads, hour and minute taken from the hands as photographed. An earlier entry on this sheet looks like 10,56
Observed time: 11,33
